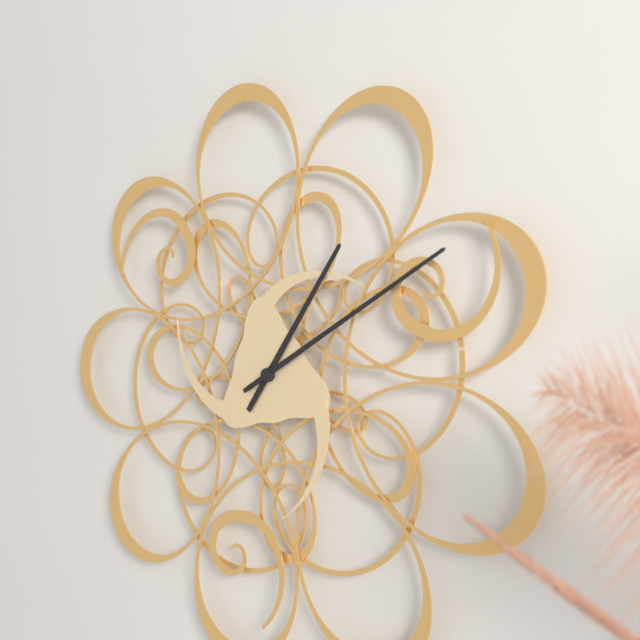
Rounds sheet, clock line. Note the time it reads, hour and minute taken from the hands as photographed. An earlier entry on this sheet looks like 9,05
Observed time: 1,10
